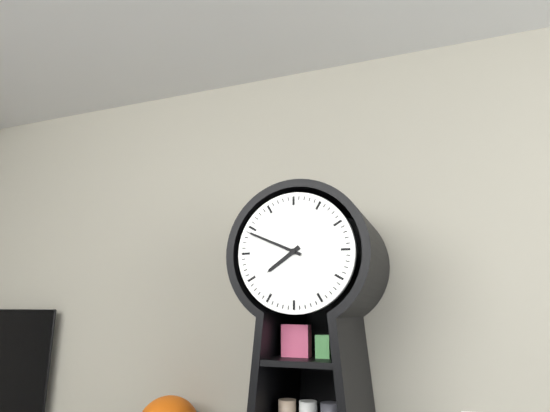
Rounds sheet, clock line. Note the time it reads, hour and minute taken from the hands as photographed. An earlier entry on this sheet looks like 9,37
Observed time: 7,49
